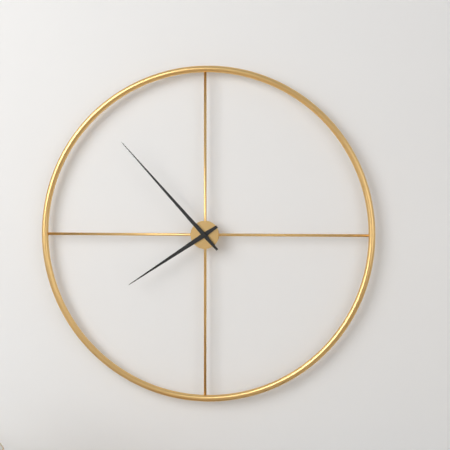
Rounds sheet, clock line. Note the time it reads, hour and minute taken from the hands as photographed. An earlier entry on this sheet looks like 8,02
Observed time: 7,53
